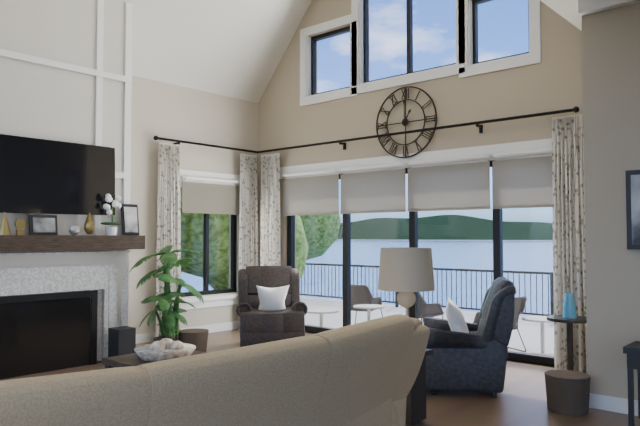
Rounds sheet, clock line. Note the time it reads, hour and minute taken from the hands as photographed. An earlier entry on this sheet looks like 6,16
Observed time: 1,00
